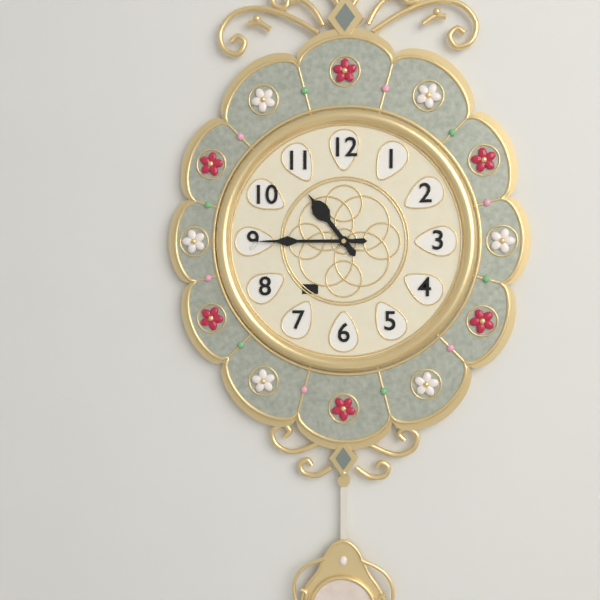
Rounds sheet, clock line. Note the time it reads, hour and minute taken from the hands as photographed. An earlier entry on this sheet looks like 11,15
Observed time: 10,45
